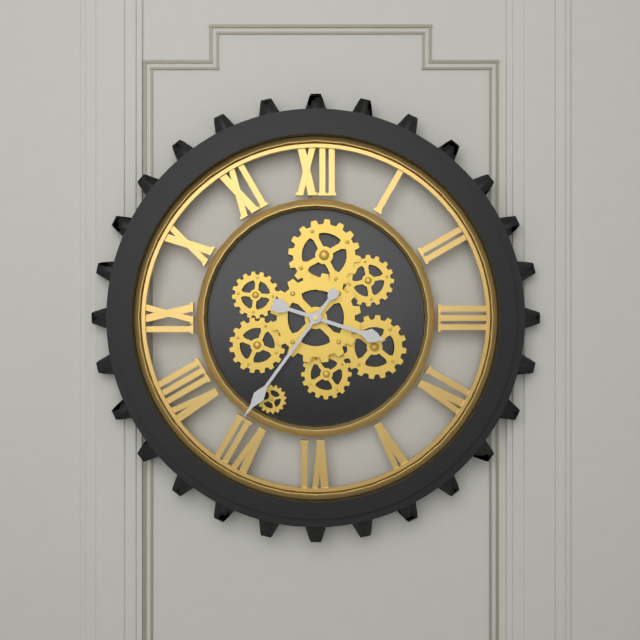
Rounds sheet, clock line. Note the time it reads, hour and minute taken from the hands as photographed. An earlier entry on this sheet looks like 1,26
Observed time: 3,36
